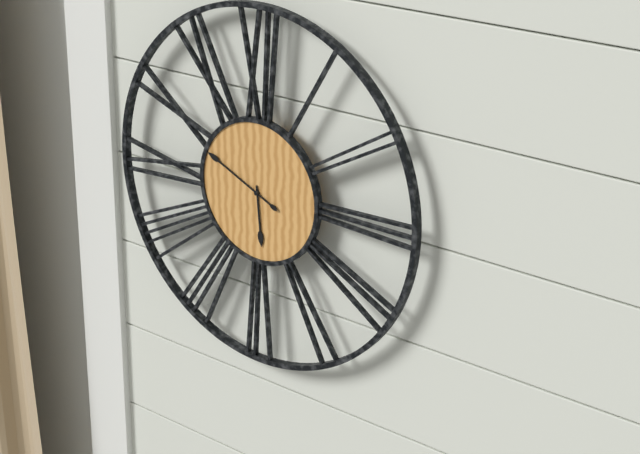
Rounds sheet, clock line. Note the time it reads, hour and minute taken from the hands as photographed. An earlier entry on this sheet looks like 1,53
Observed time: 5,49
